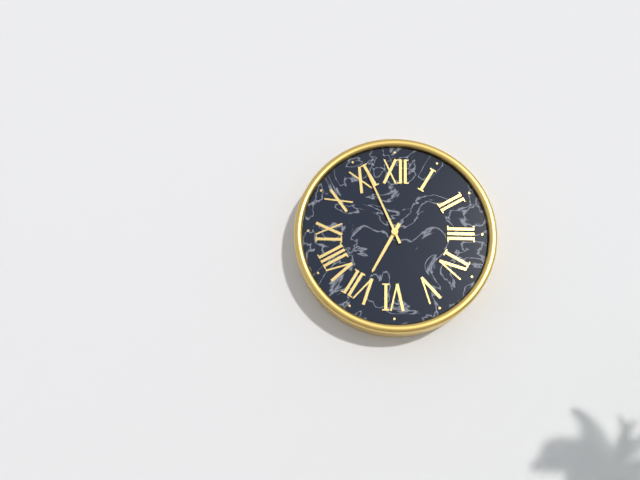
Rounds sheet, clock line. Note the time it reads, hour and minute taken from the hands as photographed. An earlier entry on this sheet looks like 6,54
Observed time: 6,56
